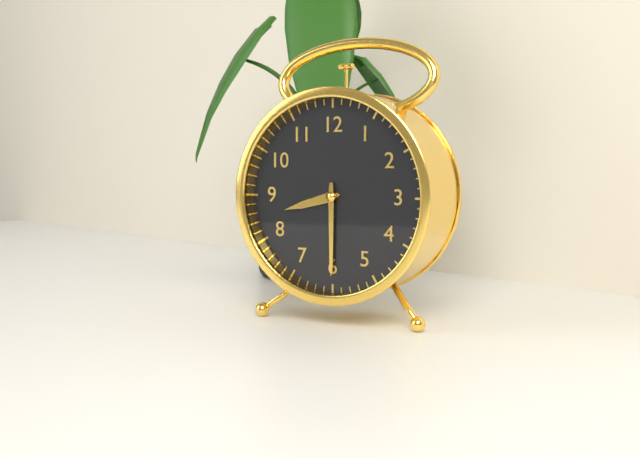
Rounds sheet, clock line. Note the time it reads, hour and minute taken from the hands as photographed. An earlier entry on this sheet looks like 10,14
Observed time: 8,30
